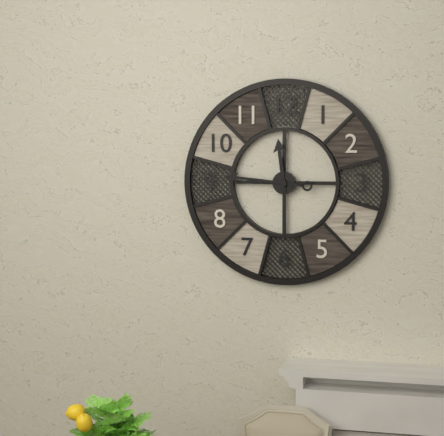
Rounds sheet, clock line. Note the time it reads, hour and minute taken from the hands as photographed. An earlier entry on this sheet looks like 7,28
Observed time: 11,46
